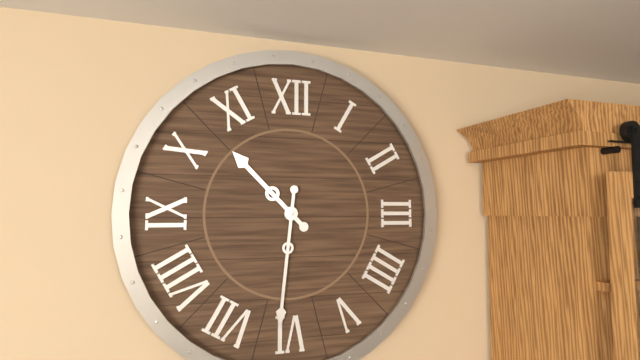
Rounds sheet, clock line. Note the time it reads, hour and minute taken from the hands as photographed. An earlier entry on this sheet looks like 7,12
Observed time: 10,31
